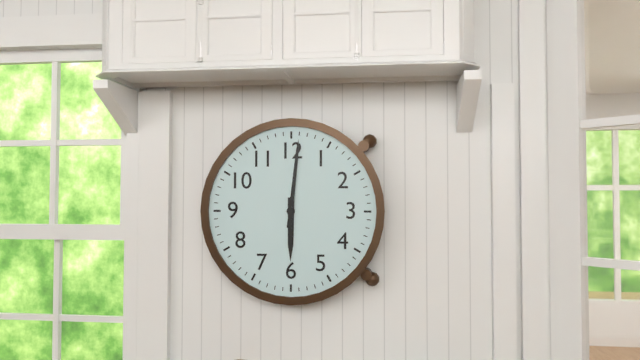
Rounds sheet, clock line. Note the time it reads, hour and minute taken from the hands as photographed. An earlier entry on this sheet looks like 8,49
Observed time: 6,01
